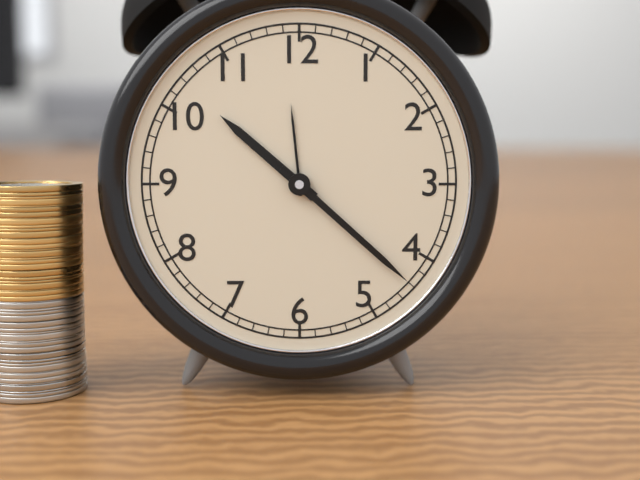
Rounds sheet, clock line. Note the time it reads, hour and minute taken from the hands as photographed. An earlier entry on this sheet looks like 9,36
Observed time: 10,22
